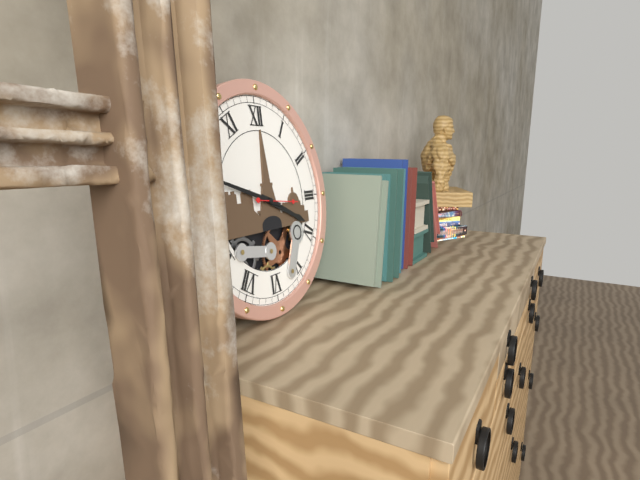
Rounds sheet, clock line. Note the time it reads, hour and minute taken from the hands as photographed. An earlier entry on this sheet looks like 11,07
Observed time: 3,48
